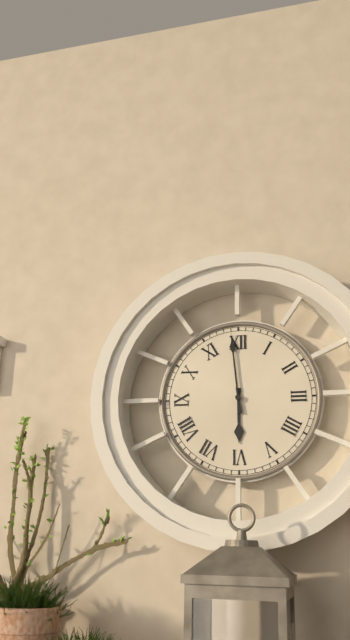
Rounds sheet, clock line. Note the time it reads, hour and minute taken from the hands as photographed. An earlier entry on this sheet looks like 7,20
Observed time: 5,59
